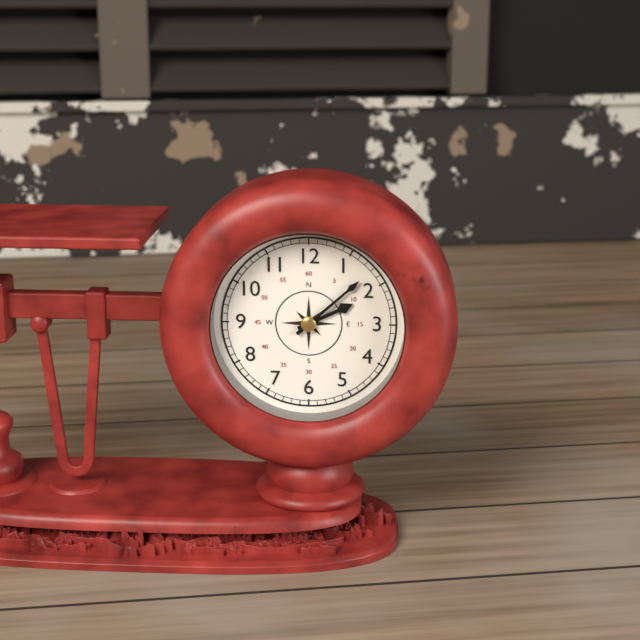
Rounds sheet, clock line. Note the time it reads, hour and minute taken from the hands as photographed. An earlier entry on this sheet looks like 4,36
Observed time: 2,08
